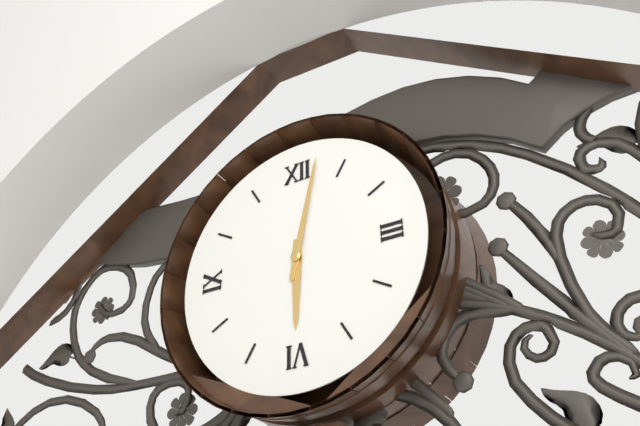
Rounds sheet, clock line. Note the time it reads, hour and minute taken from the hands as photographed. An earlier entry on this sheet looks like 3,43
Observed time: 6,02
